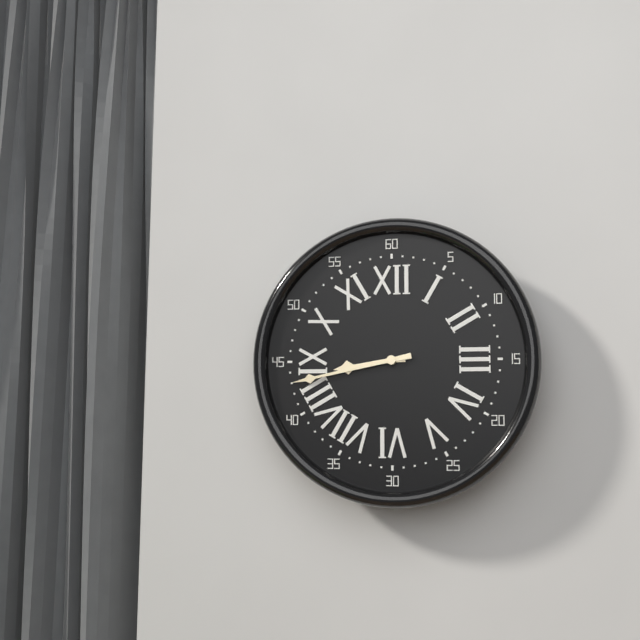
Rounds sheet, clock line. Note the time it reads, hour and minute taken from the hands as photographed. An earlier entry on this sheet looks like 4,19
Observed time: 8,43
